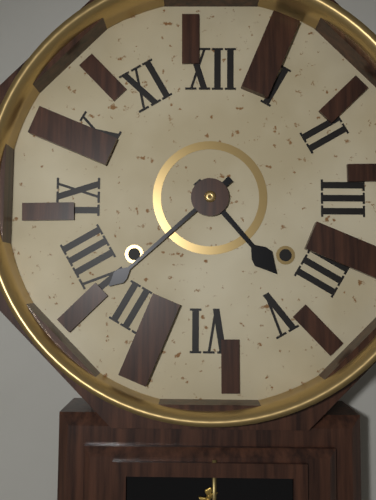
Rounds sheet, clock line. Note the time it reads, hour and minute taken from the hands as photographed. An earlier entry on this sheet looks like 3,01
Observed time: 4,38
